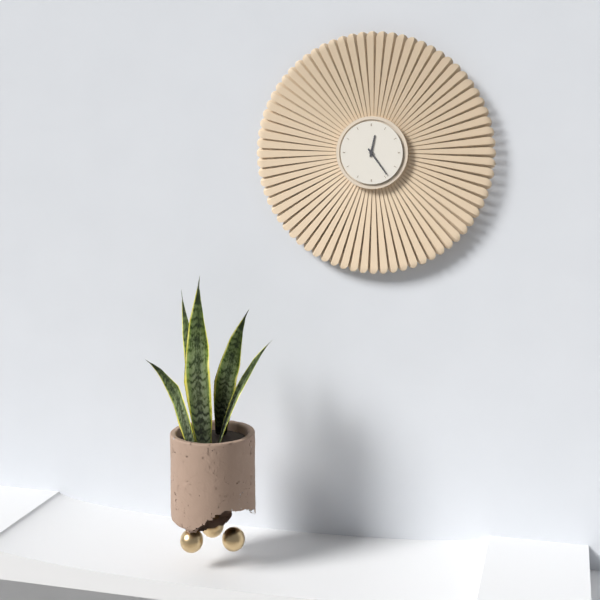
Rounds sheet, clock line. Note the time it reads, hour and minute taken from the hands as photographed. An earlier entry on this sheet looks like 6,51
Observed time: 12,24
